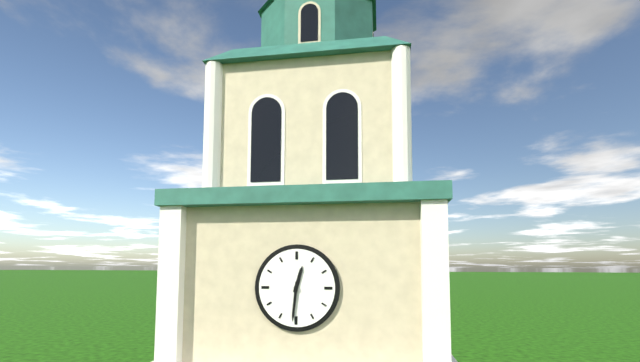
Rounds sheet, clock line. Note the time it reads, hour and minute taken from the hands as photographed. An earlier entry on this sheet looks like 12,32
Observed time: 12,31
